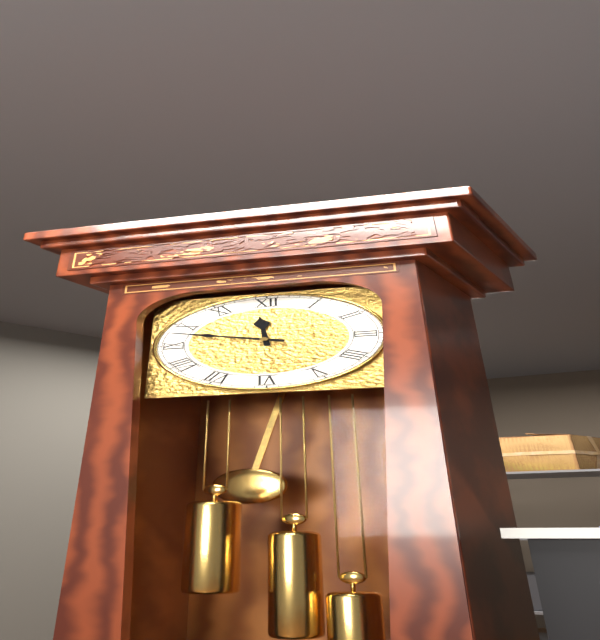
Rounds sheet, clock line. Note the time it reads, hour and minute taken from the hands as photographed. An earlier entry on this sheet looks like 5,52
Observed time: 11,48
